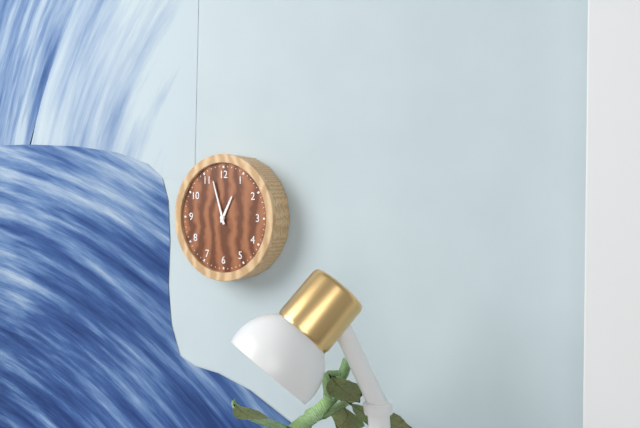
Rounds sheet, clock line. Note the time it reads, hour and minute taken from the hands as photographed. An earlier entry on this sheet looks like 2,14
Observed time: 12,57
